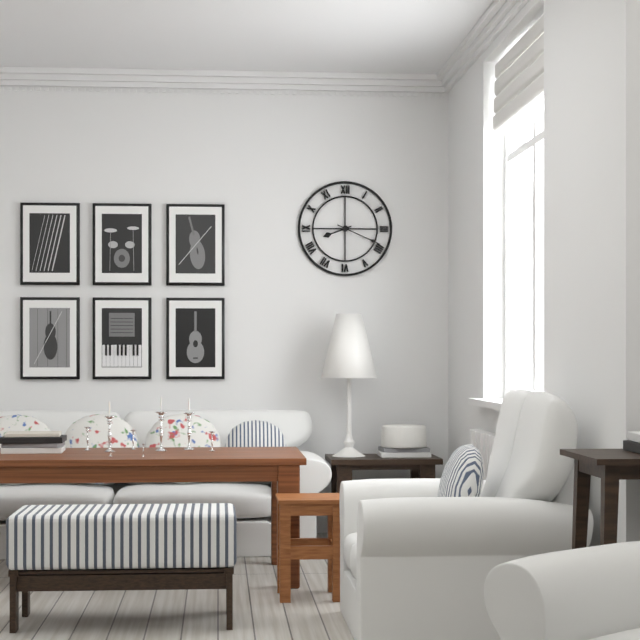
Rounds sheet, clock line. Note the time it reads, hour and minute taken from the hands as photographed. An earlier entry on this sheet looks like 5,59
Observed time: 8,19
